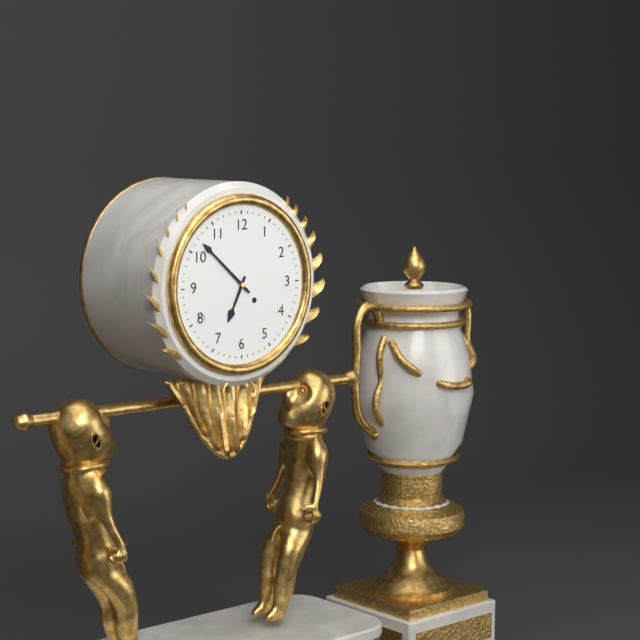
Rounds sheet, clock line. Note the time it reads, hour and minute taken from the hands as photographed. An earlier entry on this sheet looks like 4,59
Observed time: 6,52
